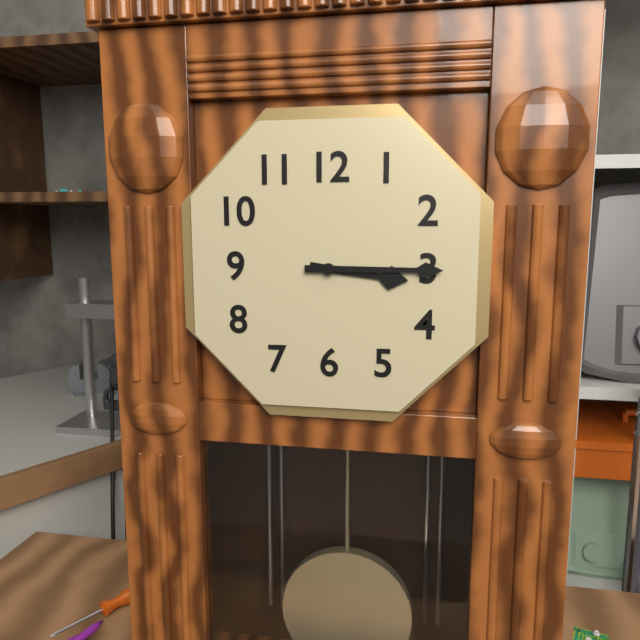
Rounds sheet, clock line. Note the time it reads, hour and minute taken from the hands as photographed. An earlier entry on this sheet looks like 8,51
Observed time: 3,15
